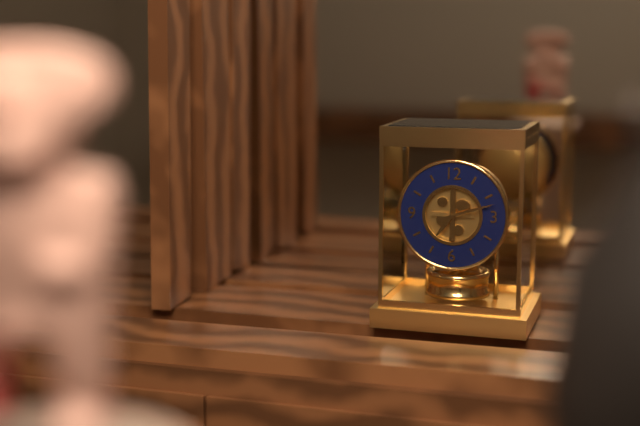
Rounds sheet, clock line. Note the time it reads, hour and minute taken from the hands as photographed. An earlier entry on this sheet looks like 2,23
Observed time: 7,12
